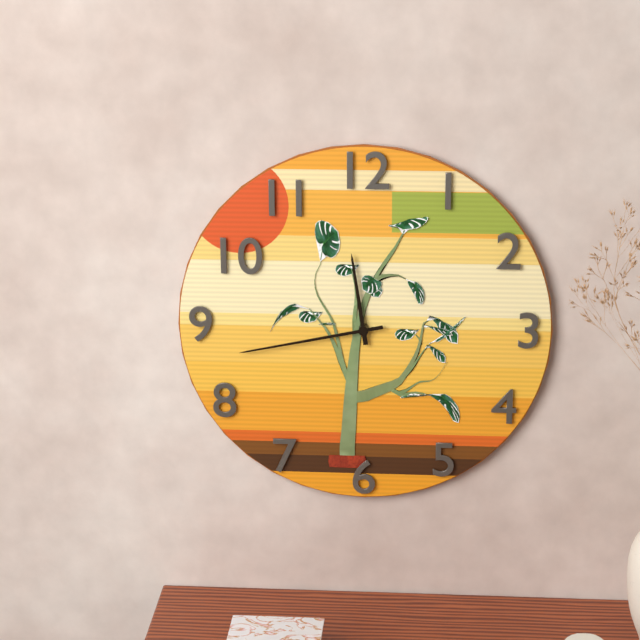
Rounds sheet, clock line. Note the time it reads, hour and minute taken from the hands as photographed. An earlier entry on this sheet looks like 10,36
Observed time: 11,43
